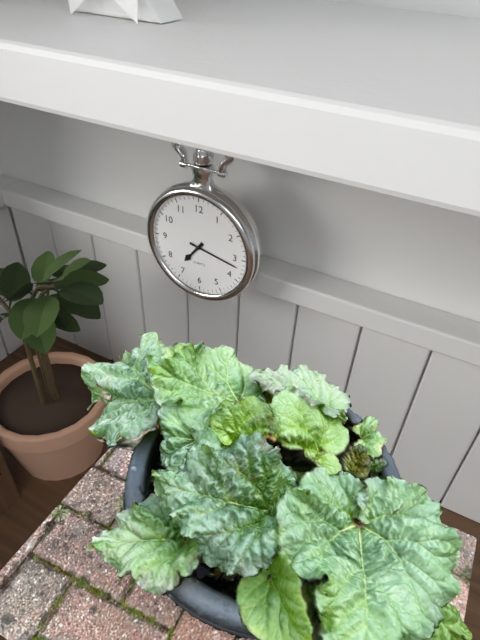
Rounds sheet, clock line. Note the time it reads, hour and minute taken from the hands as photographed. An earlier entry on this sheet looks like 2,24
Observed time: 7,17
